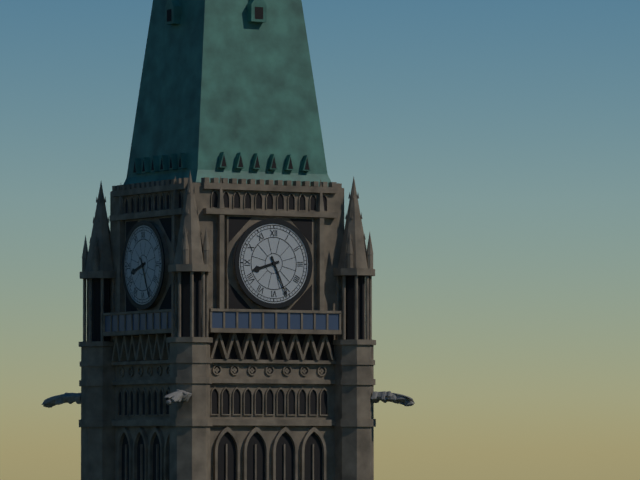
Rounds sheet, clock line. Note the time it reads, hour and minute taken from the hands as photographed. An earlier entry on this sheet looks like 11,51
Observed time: 8,26
